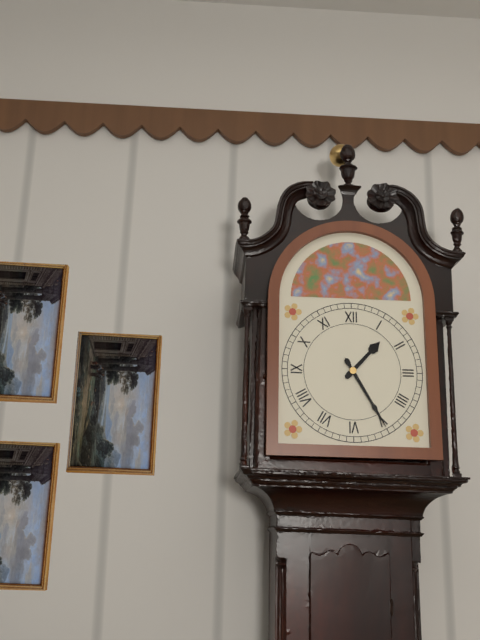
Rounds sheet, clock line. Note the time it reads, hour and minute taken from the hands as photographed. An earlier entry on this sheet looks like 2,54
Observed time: 1,25
